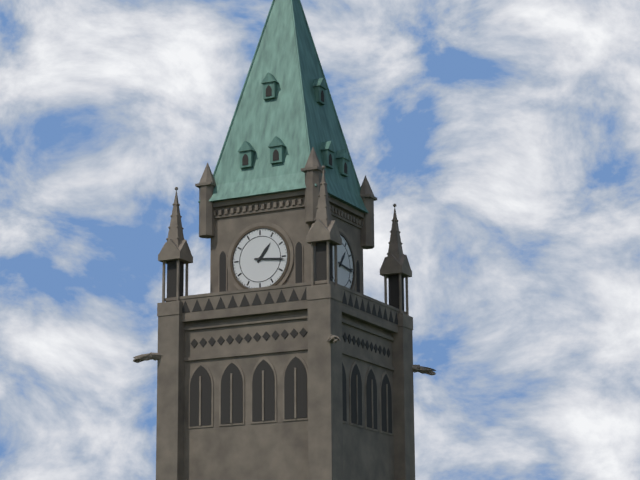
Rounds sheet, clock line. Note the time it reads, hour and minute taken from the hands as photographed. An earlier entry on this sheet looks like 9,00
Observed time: 1,16
